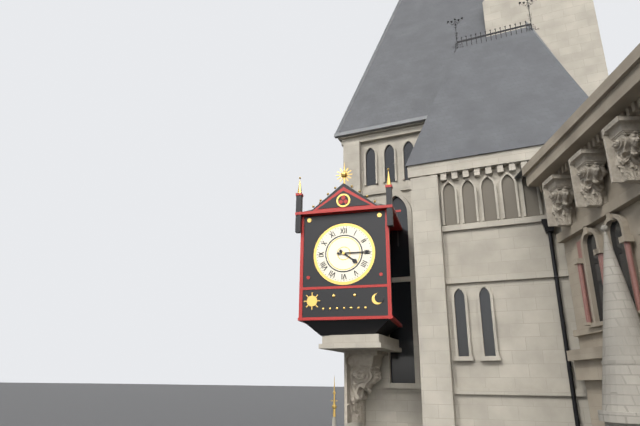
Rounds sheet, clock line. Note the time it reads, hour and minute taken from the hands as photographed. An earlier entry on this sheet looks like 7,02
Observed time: 4,15
